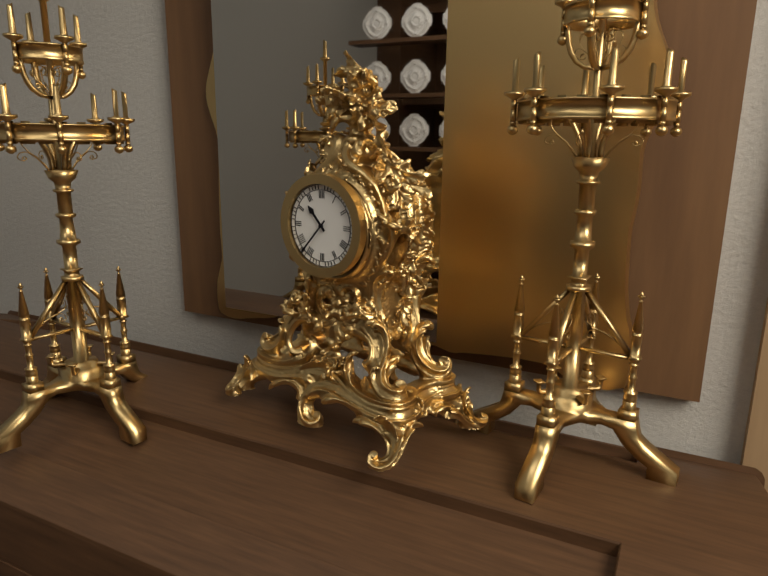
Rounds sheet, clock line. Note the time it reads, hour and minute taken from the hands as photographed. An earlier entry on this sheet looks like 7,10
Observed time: 10,37
